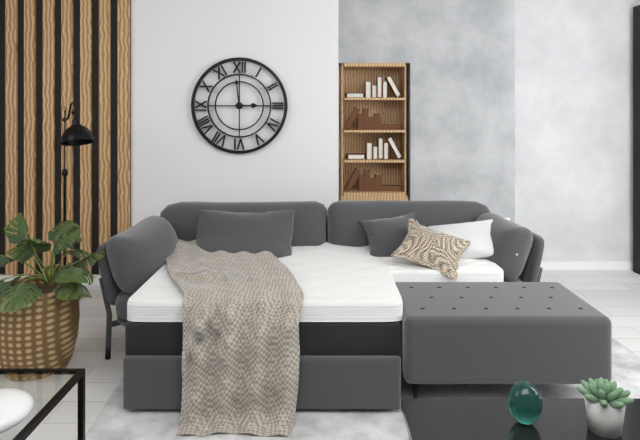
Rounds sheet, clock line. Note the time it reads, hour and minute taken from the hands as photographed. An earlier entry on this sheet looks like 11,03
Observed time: 2,59
